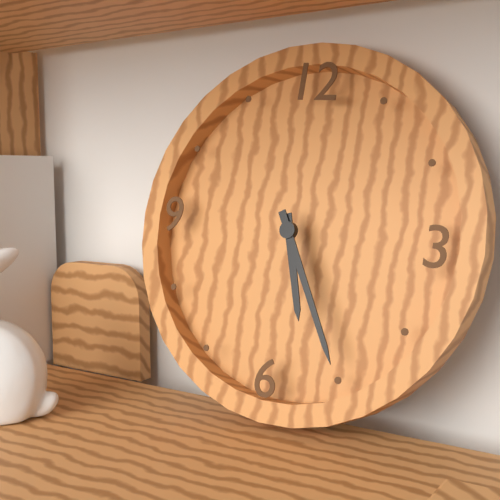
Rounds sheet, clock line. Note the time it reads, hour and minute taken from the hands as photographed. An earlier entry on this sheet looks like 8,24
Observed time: 5,25
